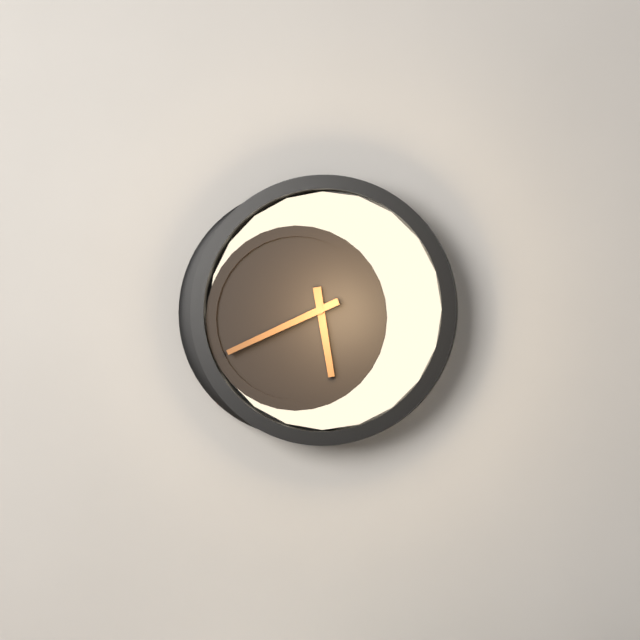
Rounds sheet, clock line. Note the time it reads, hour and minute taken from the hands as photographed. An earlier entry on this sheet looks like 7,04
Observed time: 5,41
